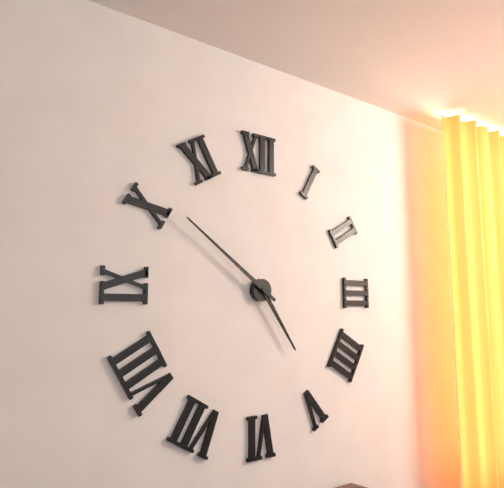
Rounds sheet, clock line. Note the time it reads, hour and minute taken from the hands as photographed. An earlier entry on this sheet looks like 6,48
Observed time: 4,51
